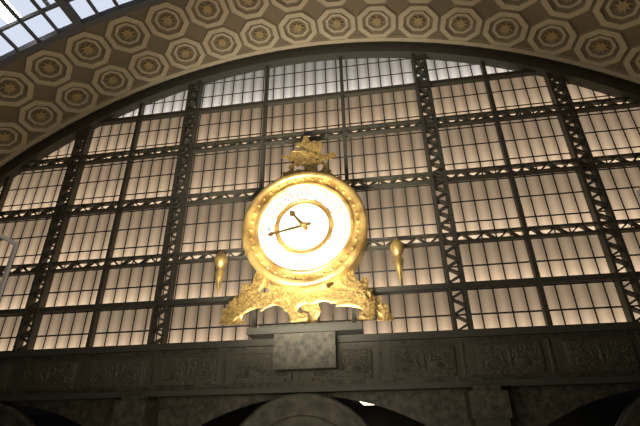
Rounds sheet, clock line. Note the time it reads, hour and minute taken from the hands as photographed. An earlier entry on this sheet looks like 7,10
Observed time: 10,43
